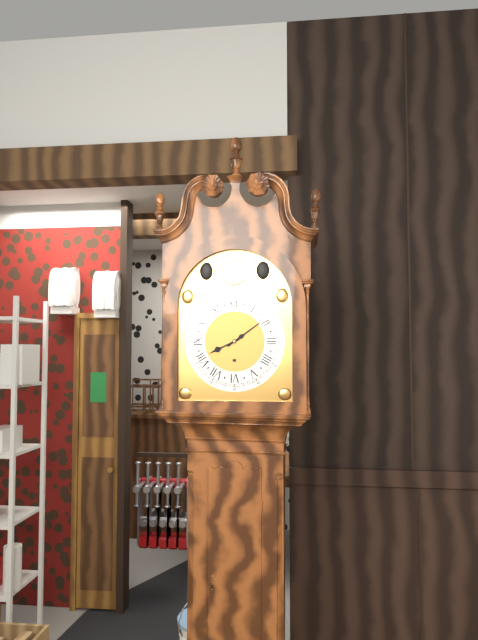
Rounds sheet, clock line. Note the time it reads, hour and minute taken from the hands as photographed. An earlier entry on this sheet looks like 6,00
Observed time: 8,09
